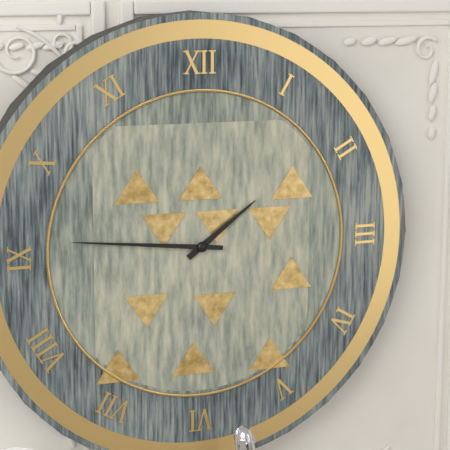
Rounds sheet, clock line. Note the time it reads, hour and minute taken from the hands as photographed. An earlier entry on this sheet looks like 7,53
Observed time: 1,46
